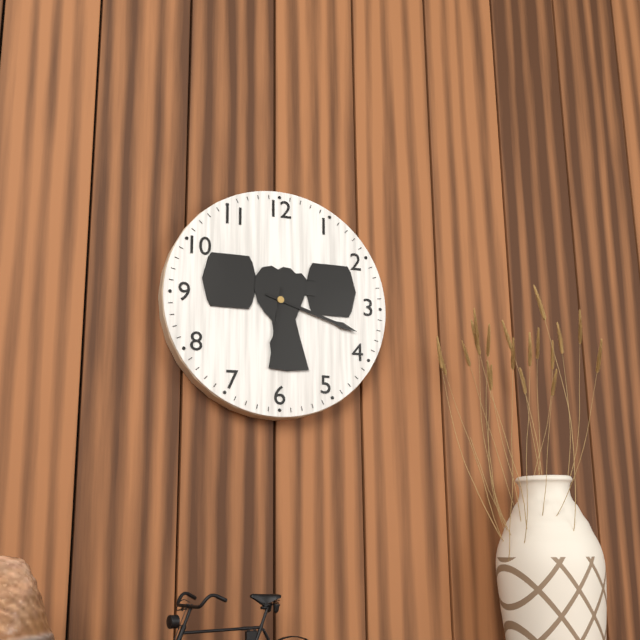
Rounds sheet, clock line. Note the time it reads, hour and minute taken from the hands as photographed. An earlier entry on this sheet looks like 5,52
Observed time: 6,18
